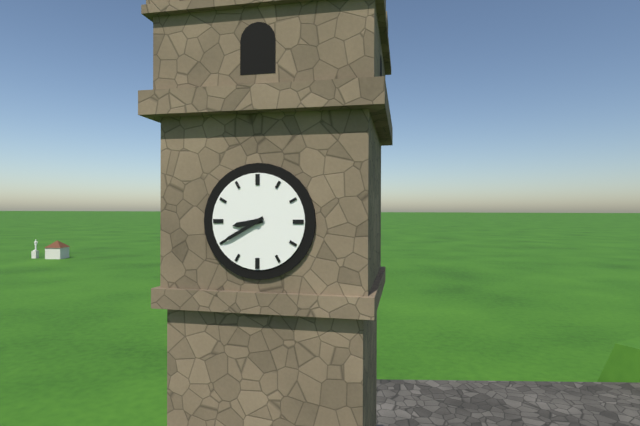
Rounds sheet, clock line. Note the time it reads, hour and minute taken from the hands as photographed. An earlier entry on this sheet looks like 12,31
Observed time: 8,40
